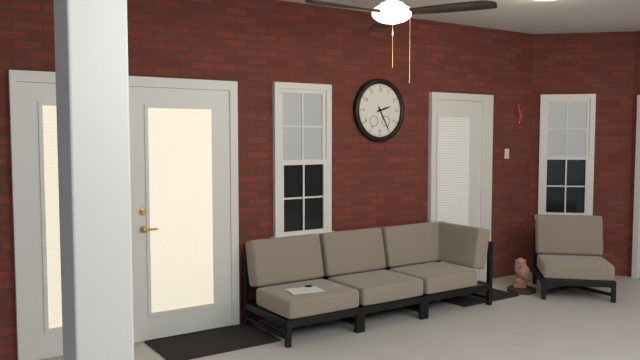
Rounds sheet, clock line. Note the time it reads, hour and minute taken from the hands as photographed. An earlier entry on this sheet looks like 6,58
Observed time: 2,25
